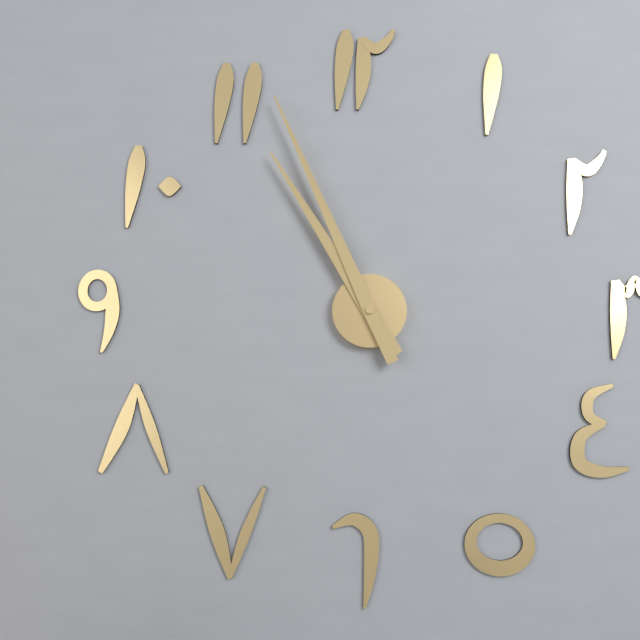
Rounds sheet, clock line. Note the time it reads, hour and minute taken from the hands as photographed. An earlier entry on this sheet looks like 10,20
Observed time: 10,56
